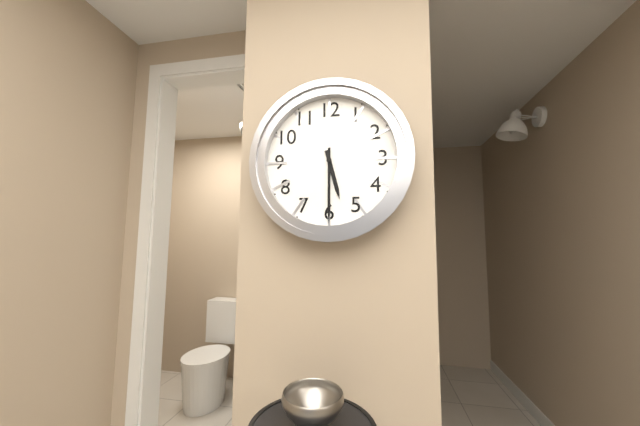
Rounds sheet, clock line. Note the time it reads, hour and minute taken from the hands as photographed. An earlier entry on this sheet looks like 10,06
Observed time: 5,30
